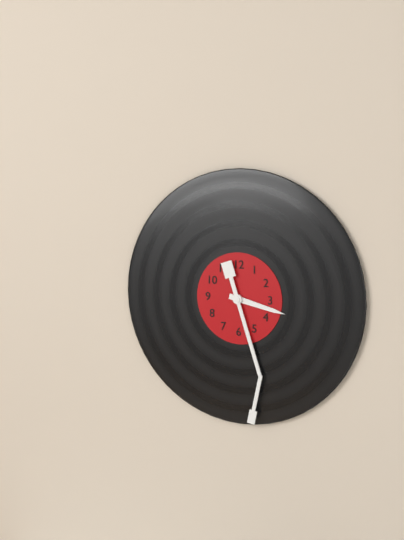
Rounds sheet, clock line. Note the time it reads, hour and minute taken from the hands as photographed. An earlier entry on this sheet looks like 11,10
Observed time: 3,27
